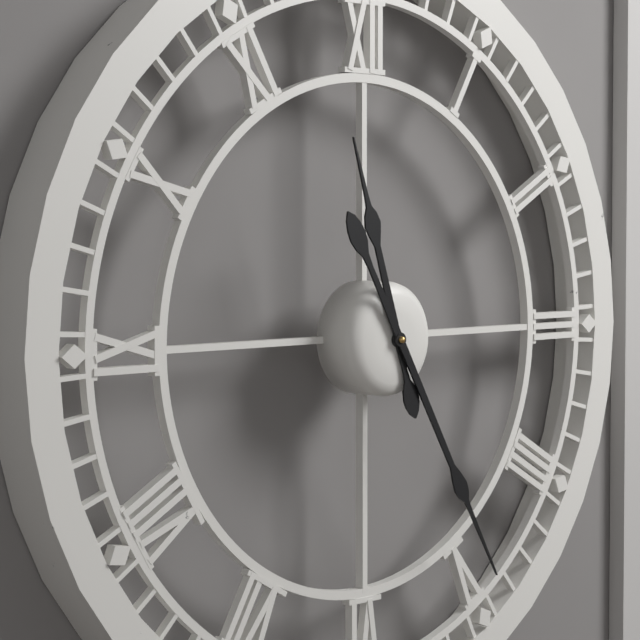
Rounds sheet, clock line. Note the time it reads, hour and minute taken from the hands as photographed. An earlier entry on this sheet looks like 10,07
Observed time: 11,25
